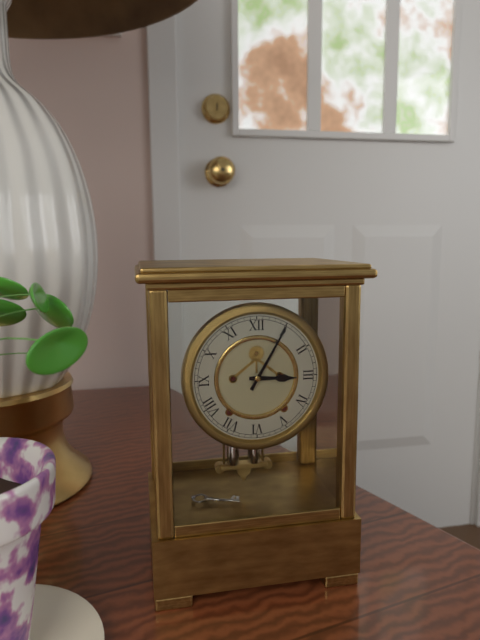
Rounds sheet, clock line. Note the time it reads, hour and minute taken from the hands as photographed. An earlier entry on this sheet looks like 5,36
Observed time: 3,05
